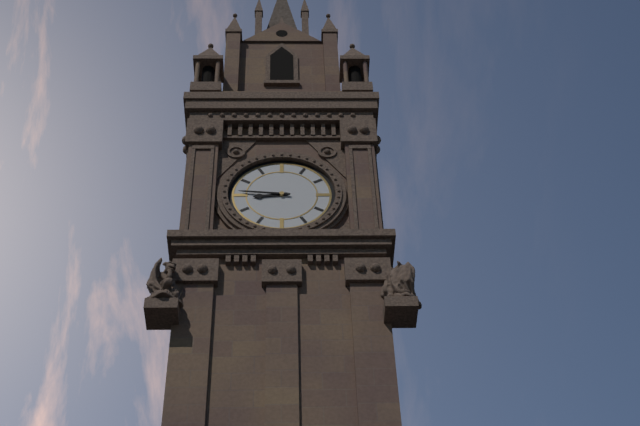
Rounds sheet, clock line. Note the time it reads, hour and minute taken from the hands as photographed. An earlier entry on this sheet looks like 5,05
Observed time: 8,46
